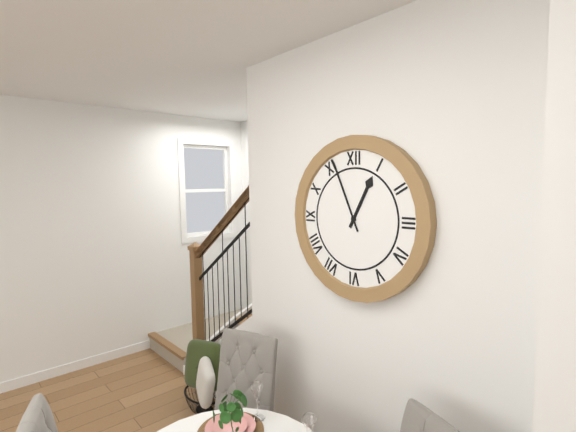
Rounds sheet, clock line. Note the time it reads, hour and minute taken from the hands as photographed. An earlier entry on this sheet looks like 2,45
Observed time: 12,56
